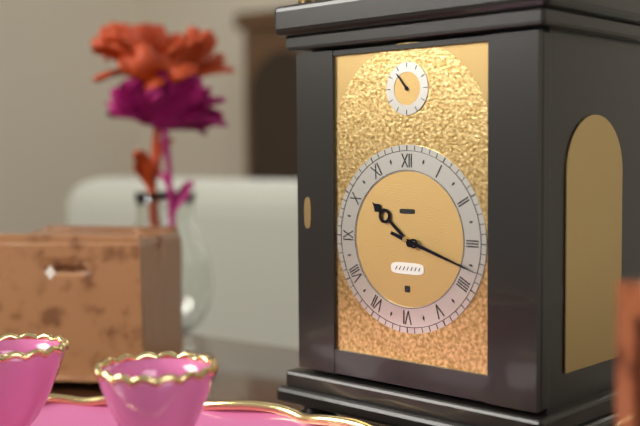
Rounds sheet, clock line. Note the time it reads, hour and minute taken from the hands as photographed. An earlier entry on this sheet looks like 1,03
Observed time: 10,18
